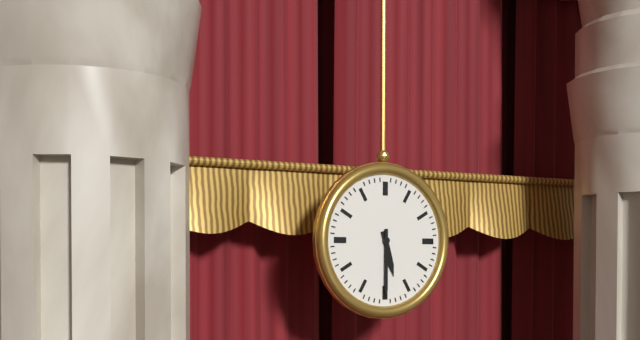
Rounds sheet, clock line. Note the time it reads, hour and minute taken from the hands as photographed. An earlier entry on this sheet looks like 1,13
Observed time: 5,30
